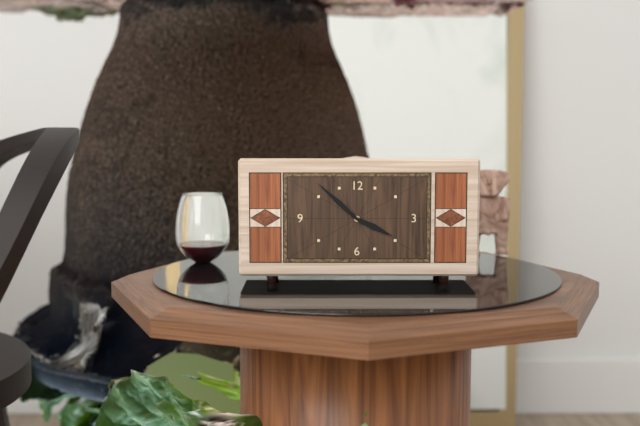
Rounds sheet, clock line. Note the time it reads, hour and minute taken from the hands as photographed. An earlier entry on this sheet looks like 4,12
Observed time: 3,52
